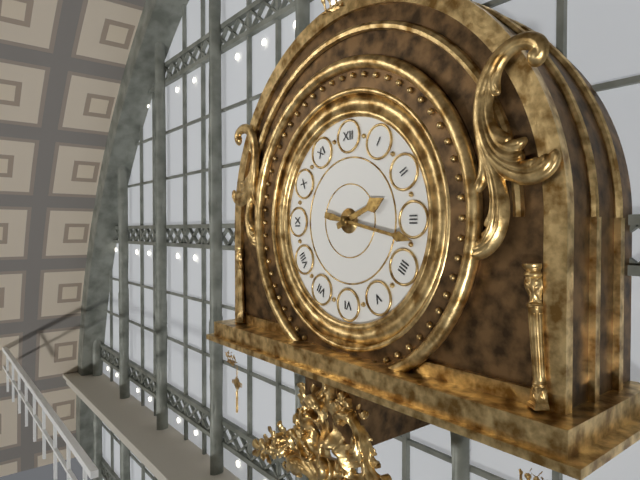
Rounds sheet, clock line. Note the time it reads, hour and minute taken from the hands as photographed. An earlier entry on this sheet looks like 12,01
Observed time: 2,17
